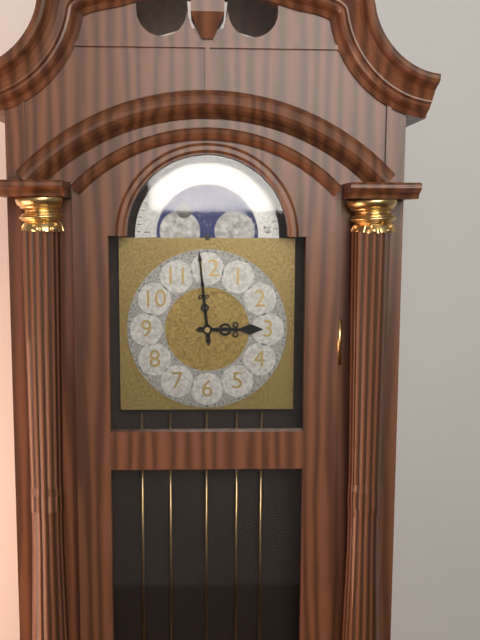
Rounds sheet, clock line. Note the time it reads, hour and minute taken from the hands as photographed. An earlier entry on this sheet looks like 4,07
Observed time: 2,59
